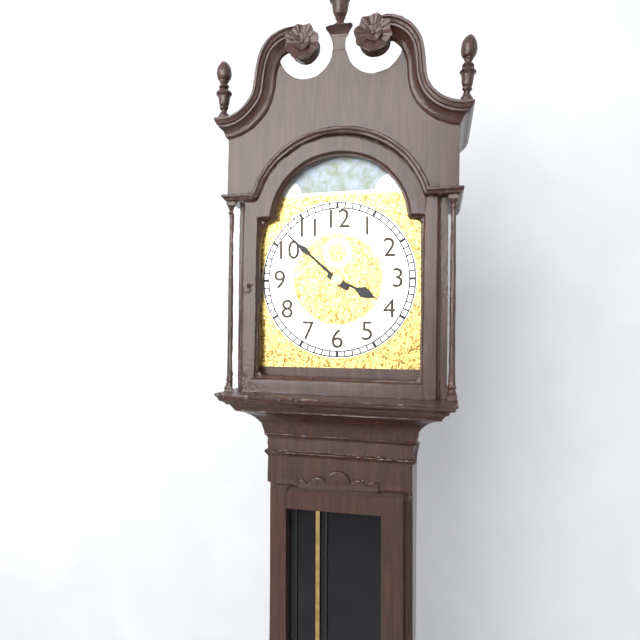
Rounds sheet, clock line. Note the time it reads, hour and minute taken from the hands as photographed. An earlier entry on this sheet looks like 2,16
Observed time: 3,52
